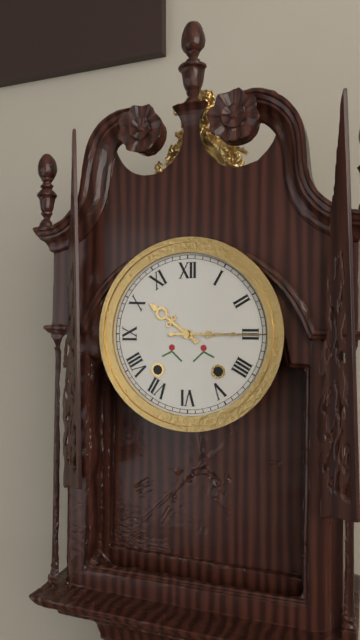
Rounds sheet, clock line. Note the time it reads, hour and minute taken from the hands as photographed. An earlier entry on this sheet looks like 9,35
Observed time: 10,15
